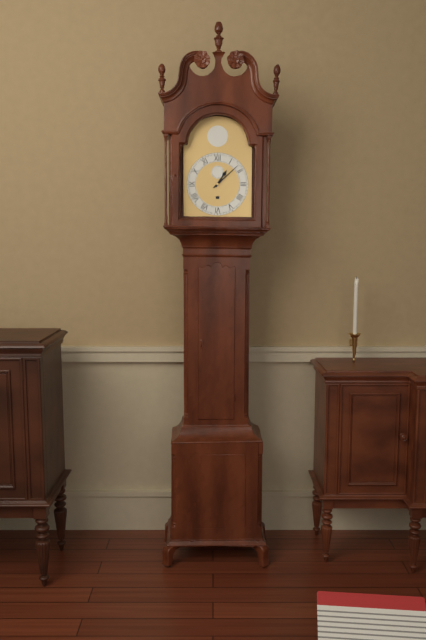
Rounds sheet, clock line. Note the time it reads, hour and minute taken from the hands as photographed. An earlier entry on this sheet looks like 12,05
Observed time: 1,08
